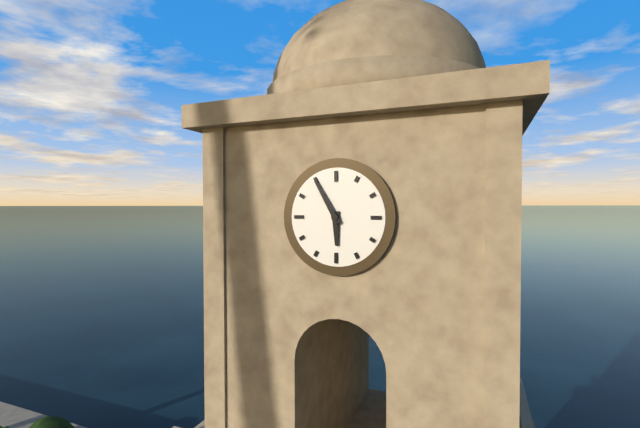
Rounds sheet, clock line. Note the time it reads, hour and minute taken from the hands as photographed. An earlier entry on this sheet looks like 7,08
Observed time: 5,55
